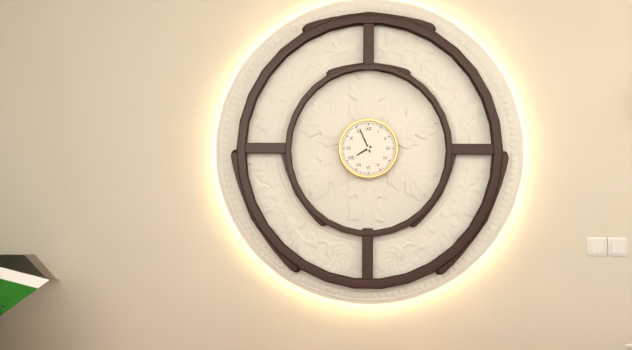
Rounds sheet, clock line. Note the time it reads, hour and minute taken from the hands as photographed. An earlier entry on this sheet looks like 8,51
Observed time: 7,56
